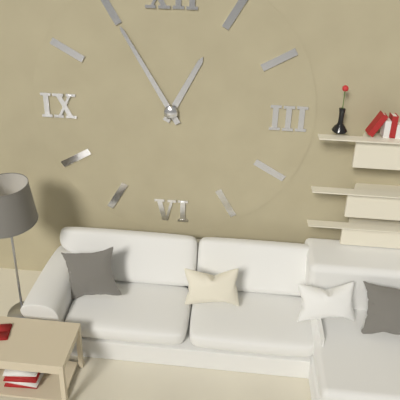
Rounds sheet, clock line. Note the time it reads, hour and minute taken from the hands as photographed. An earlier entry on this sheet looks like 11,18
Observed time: 12,55
